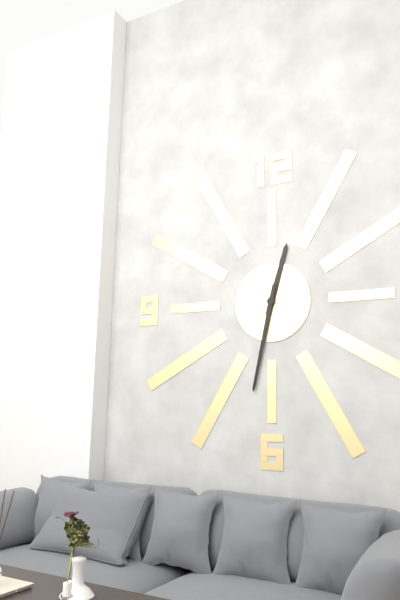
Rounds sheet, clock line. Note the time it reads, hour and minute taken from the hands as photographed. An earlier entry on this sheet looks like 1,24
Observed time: 12,32
